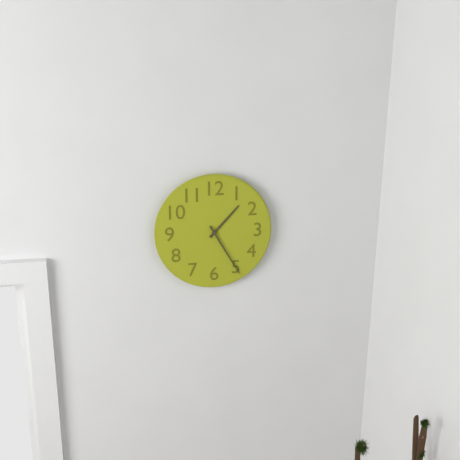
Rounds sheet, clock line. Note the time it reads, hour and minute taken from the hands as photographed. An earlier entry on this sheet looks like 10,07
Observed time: 1,25
